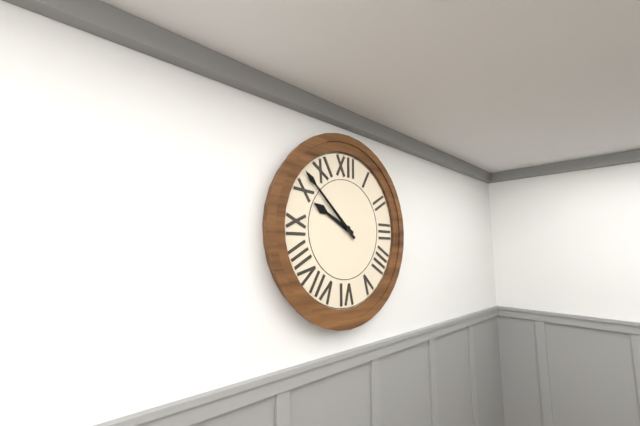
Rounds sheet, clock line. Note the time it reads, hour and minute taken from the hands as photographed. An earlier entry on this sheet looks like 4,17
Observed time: 9,52
